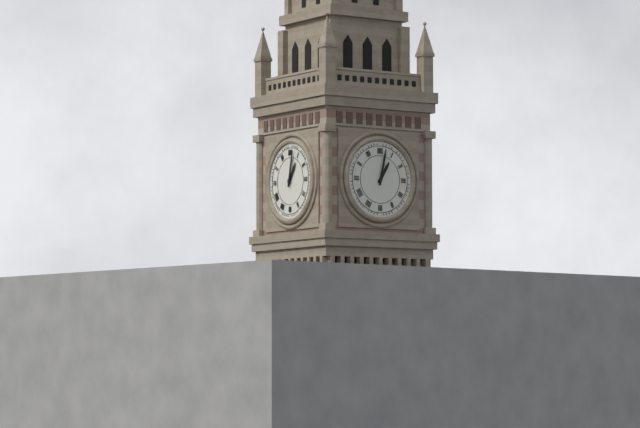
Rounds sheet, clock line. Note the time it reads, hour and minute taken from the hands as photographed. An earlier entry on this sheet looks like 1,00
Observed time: 1,02
